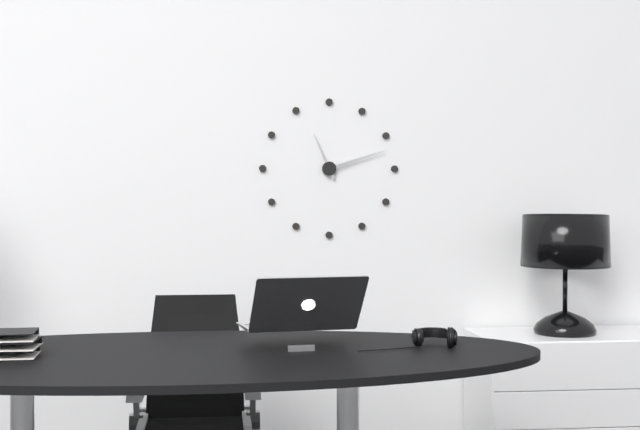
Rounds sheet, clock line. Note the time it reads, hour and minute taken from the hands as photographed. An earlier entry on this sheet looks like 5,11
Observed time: 11,12
